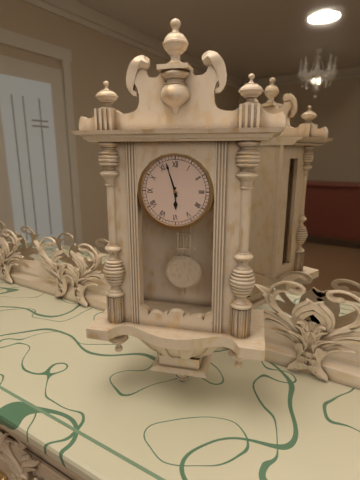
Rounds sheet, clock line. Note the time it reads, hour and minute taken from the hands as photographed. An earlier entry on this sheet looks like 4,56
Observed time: 5,57
